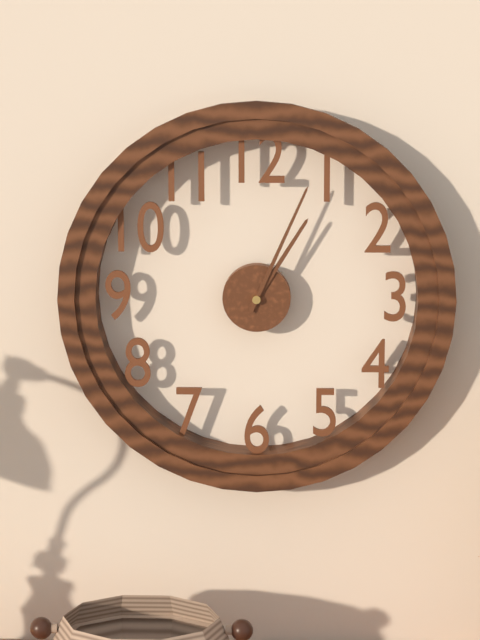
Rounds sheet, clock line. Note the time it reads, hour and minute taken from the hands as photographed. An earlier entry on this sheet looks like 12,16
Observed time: 1,04
